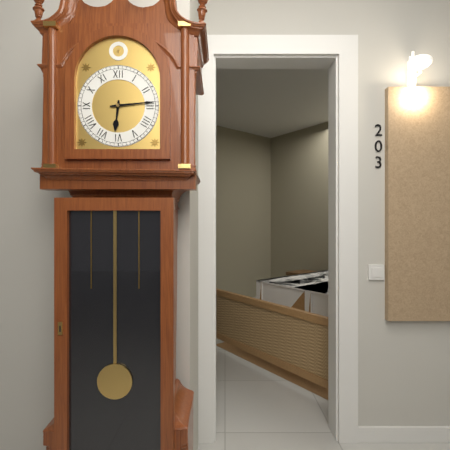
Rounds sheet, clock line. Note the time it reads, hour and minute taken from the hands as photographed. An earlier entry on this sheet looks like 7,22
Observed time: 6,14
